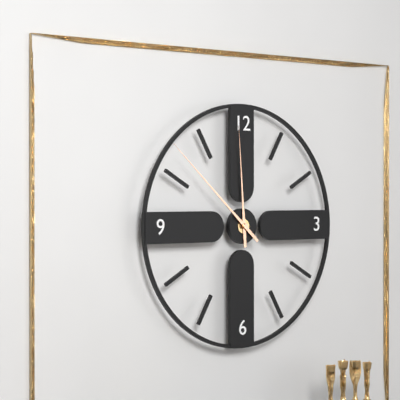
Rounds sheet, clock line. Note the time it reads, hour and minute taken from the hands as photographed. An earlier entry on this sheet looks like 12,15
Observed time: 11,52
